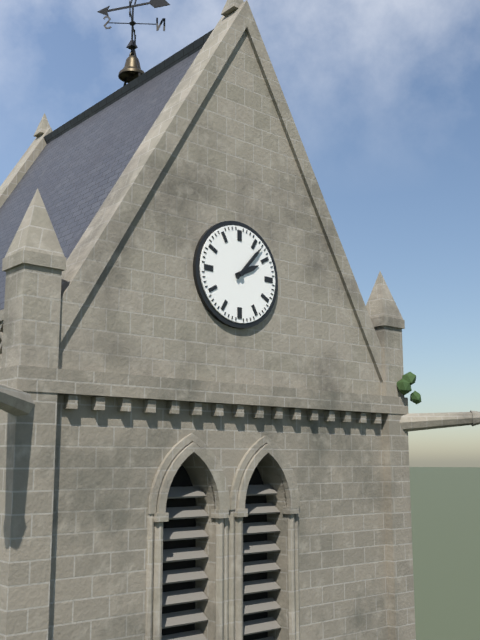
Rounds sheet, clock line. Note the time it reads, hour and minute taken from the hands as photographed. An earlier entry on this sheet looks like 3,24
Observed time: 2,07
